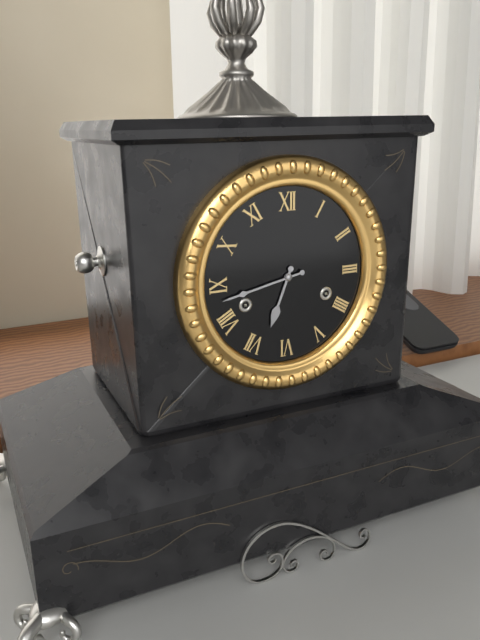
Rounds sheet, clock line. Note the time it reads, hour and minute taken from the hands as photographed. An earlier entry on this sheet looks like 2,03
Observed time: 6,43
